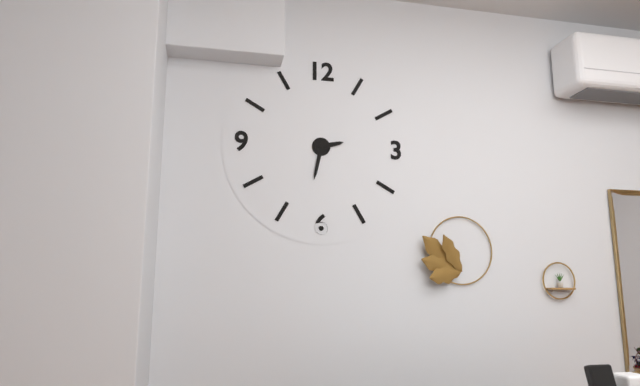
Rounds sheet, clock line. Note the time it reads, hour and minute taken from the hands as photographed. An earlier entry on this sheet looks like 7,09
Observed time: 2,32
